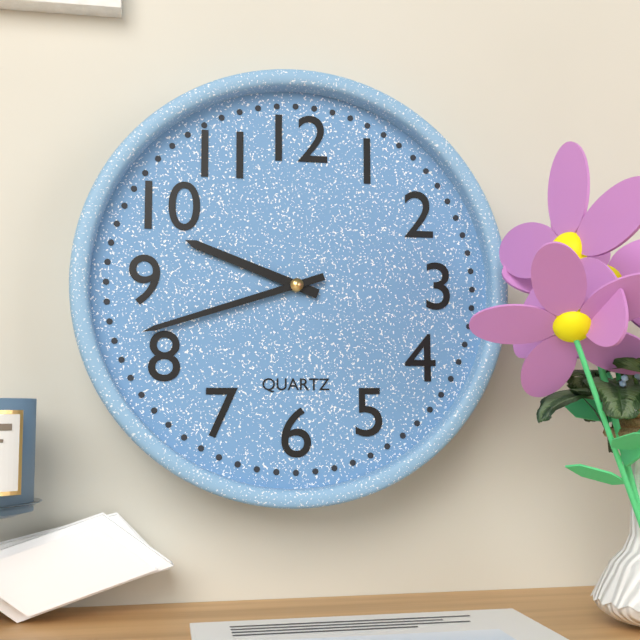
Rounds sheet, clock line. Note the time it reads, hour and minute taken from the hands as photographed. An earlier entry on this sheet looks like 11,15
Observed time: 9,42
